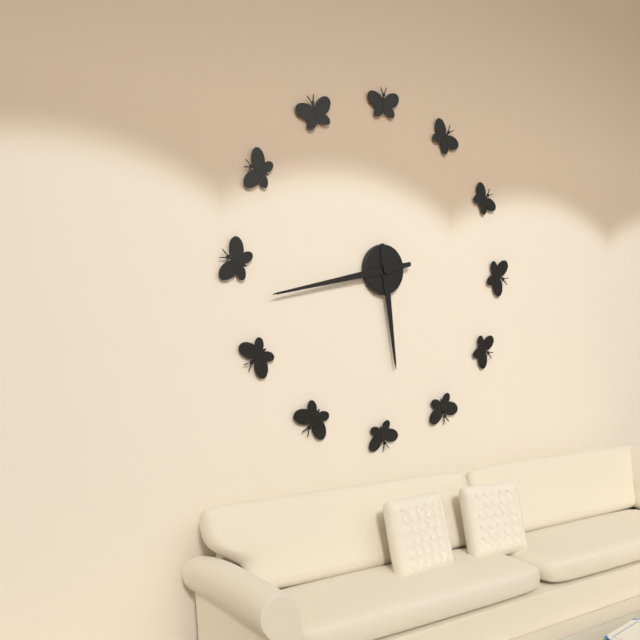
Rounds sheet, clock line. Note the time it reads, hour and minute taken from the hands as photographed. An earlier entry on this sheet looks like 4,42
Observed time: 5,43
